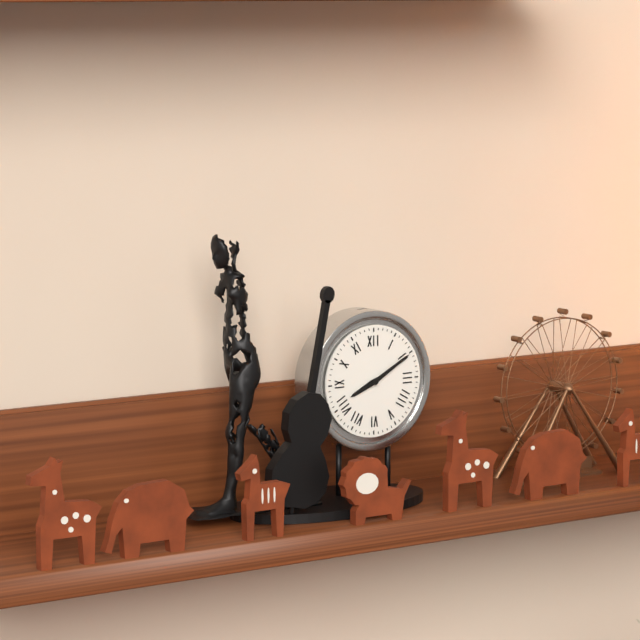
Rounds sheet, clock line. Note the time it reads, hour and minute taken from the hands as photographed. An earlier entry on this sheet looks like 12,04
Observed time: 8,10
